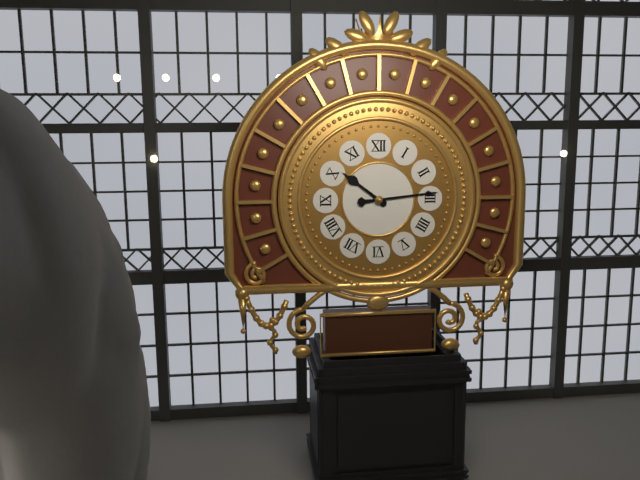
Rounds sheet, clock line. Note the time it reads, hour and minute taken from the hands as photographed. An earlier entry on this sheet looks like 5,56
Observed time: 10,14
